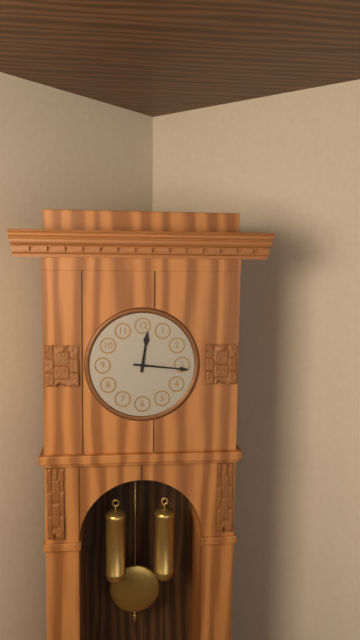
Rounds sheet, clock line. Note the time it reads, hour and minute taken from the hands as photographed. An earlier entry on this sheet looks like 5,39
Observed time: 12,16
